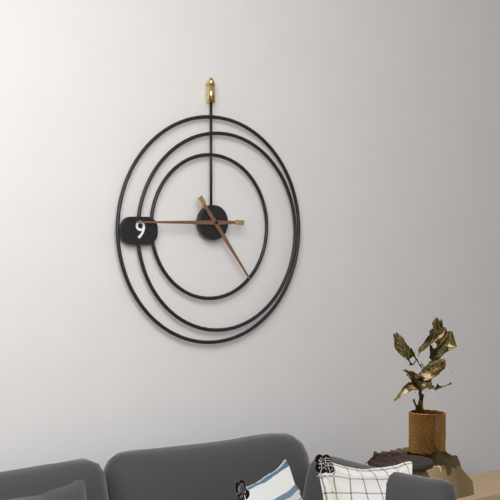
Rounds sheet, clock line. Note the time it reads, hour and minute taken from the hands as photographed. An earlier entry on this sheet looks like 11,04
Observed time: 4,45
